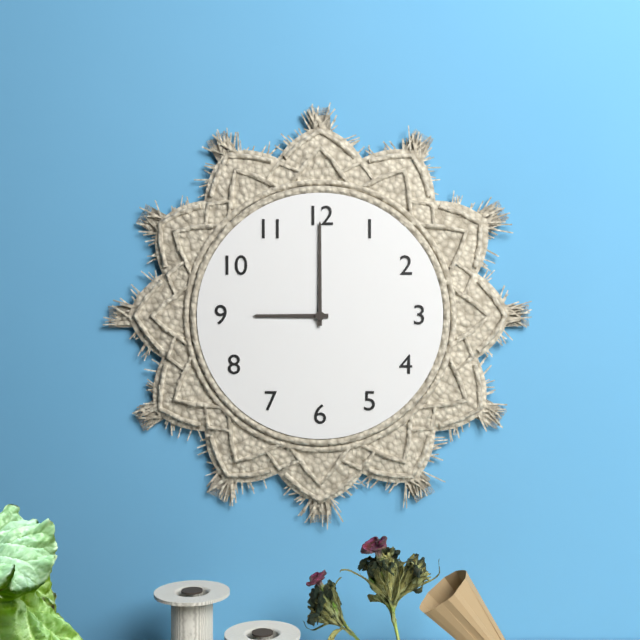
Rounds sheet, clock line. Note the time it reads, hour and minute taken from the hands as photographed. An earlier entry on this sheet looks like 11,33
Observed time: 9,00
